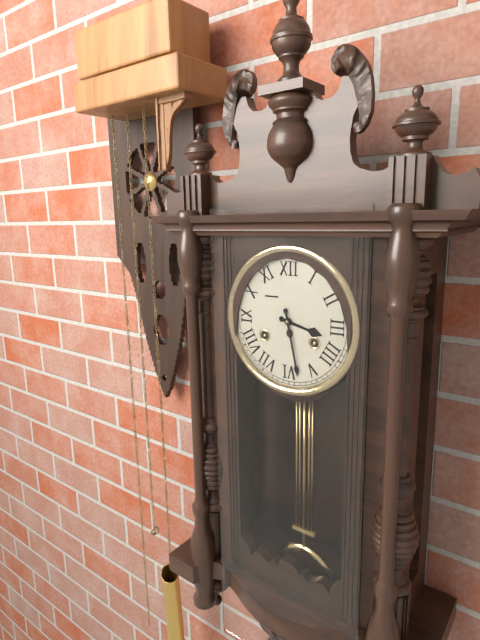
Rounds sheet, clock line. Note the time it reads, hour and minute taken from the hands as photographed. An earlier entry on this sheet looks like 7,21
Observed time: 3,28
